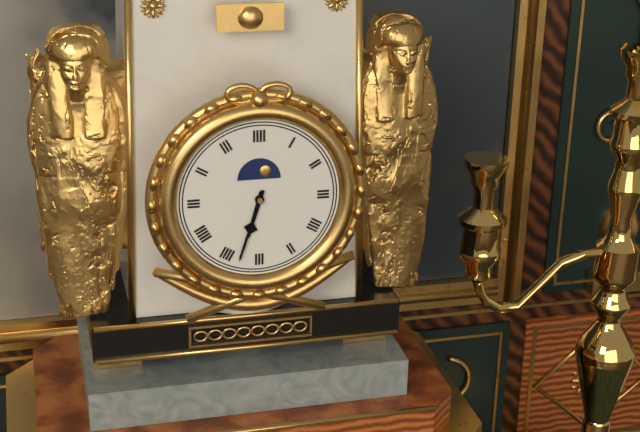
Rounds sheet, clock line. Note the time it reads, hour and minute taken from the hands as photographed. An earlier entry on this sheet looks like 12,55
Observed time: 6,33
